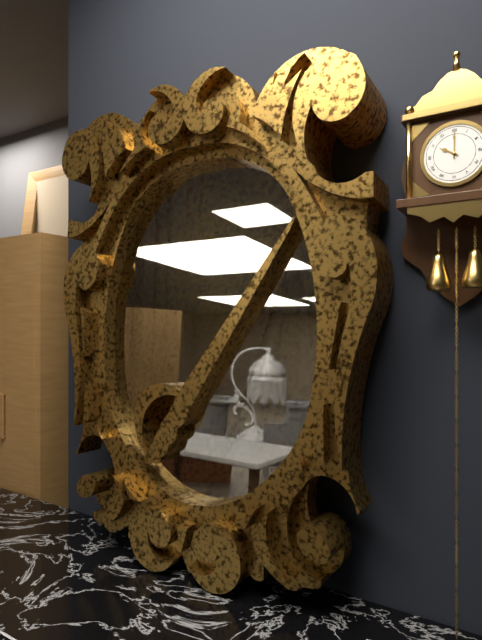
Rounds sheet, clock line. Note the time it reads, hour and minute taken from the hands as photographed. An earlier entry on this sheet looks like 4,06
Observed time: 10,00
